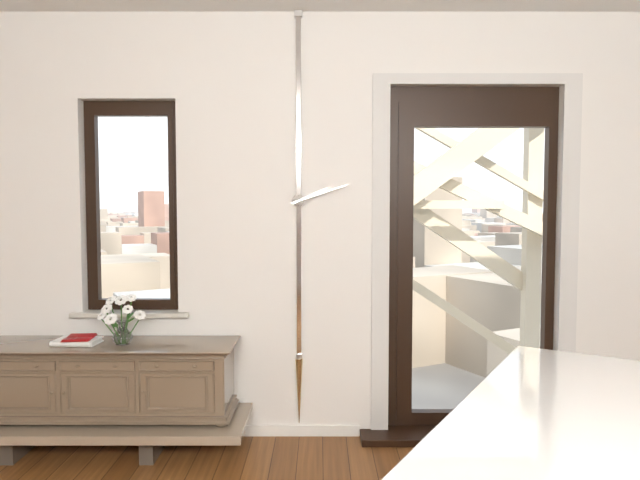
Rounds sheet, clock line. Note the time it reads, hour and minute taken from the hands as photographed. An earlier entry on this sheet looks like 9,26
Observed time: 2,12
